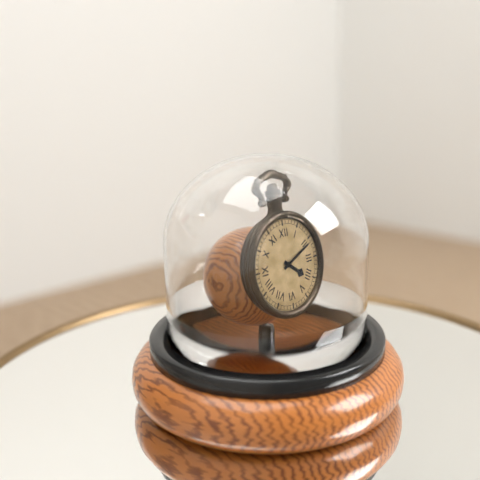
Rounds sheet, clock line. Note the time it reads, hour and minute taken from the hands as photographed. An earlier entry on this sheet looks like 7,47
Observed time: 4,11
